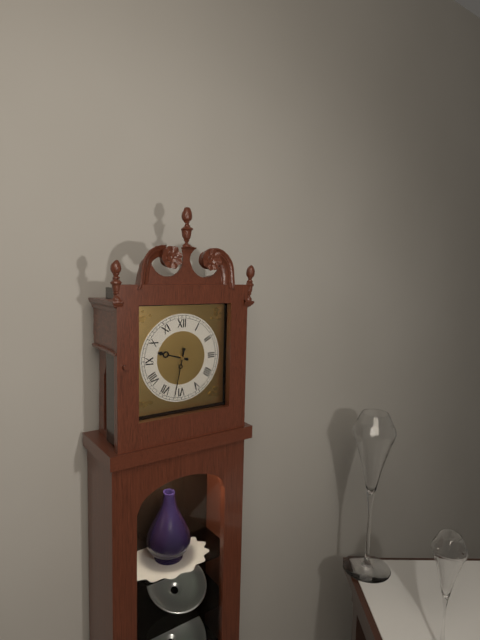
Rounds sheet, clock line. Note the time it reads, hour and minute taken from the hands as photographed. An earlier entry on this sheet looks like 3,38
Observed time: 9,32
